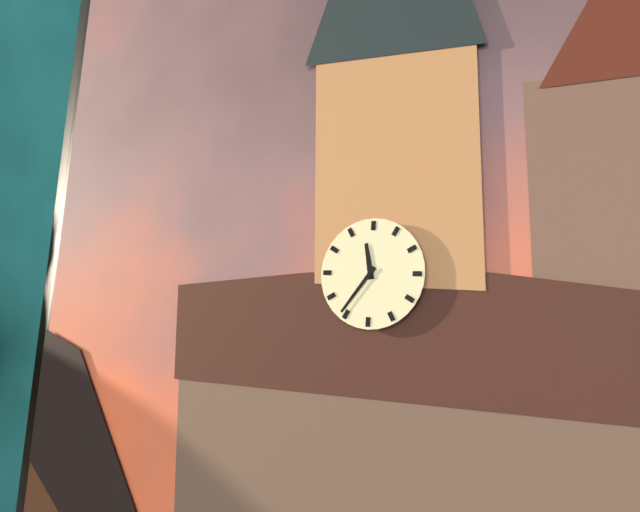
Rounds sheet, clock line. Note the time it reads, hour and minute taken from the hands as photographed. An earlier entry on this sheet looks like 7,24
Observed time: 11,36
